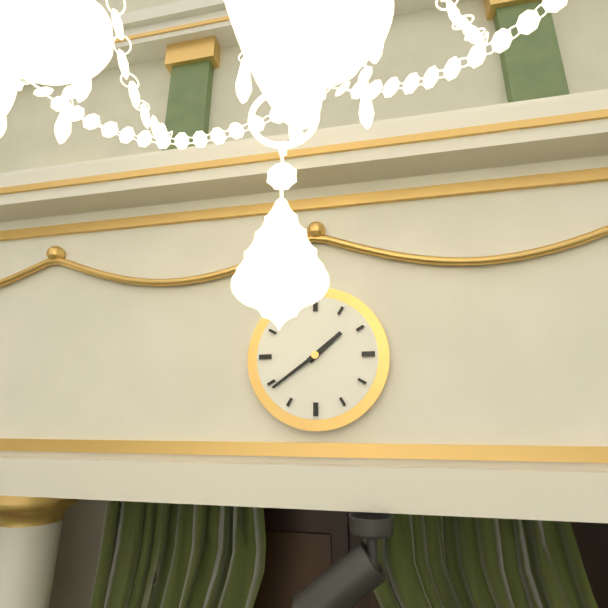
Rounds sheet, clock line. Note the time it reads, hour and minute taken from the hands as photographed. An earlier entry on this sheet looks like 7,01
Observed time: 1,39
